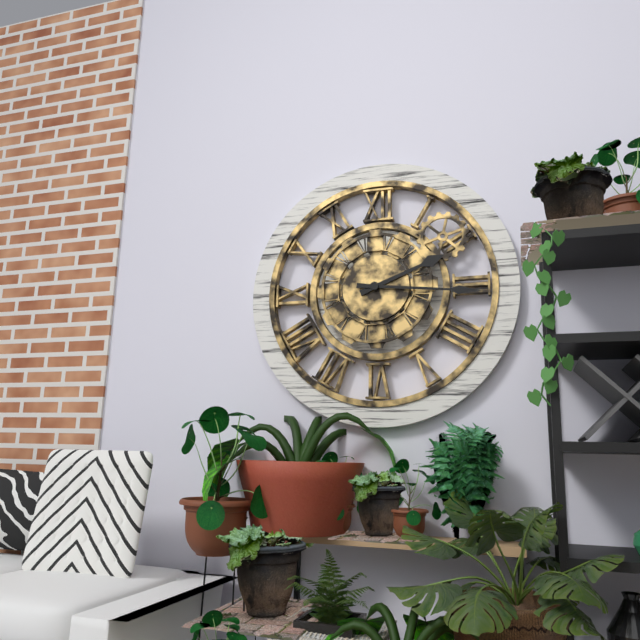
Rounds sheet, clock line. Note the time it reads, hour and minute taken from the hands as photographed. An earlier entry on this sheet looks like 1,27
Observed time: 2,16
